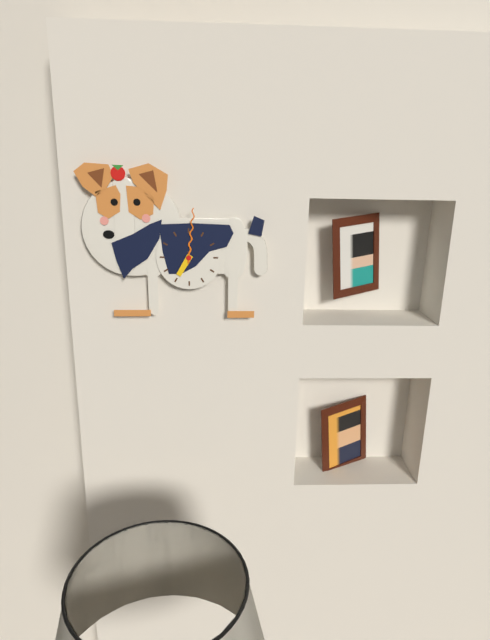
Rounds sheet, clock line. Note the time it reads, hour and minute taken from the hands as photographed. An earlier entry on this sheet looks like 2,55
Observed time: 7,01
